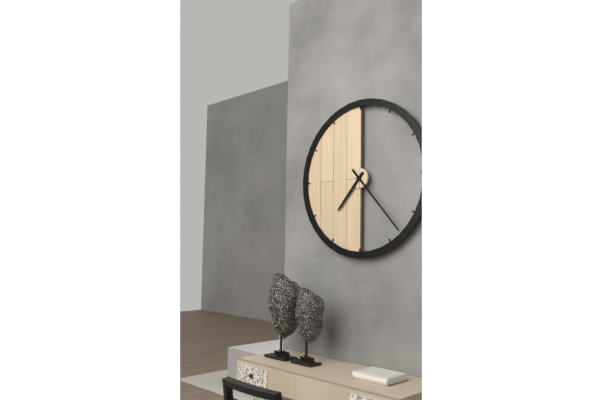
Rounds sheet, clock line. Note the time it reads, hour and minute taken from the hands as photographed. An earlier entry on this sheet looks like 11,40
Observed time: 7,23
